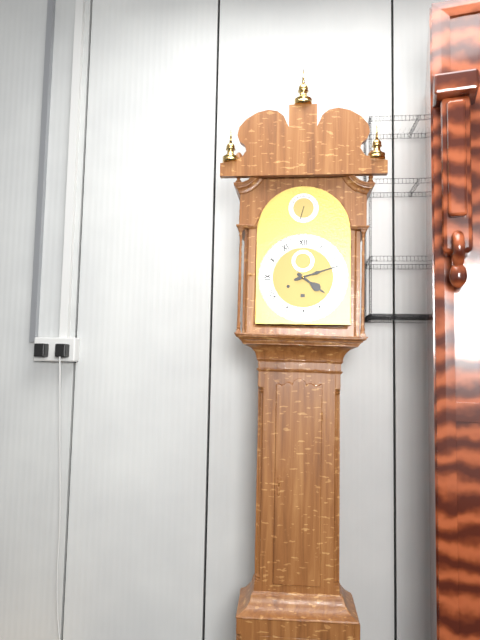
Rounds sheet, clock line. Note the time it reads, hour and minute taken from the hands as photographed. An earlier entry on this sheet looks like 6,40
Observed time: 4,12
